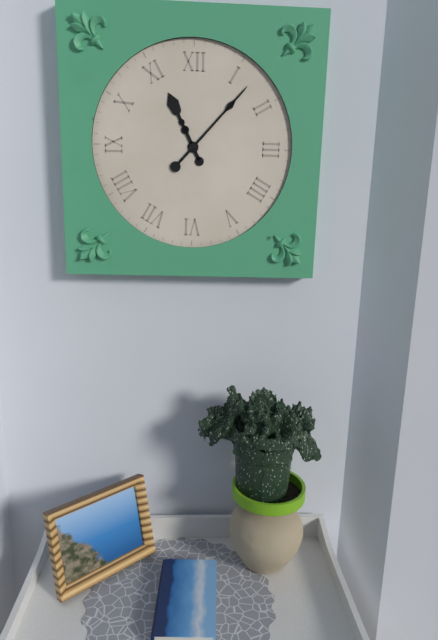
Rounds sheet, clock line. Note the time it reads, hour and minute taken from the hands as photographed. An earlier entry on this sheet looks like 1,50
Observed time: 11,07
